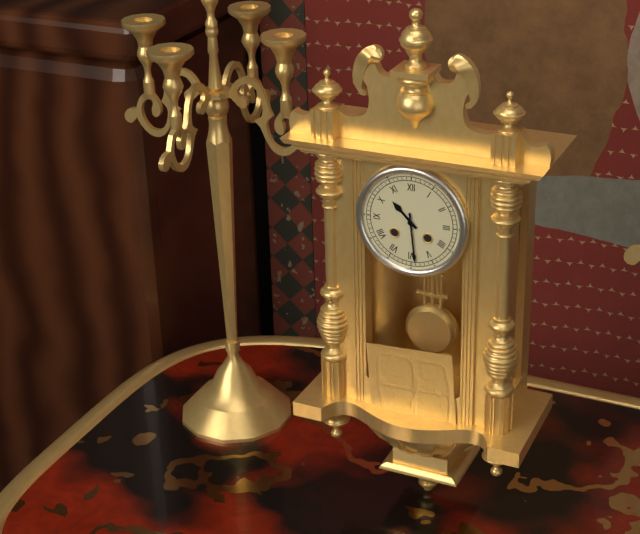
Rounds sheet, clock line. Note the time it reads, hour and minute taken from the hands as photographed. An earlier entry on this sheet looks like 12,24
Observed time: 10,29
